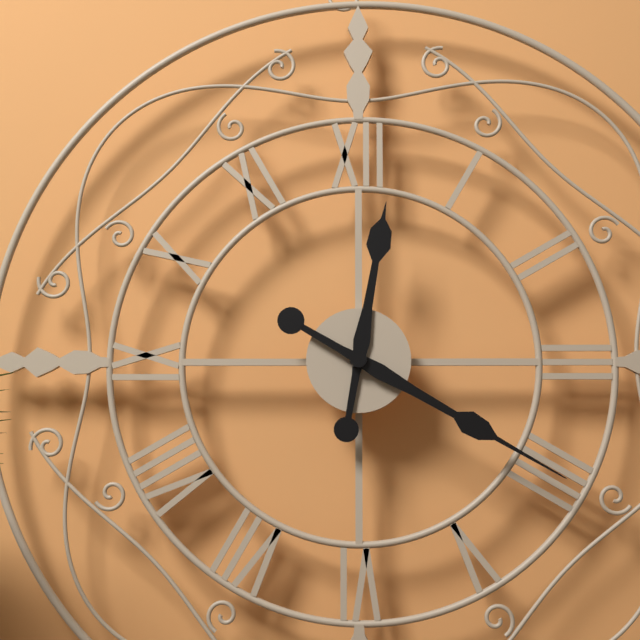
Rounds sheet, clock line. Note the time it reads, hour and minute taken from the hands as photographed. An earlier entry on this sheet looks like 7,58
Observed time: 12,20
